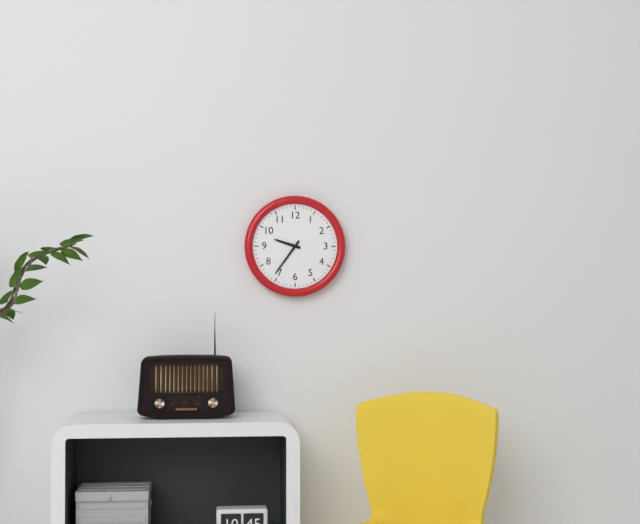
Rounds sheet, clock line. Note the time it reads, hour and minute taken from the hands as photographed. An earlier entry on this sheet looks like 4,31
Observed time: 9,36
